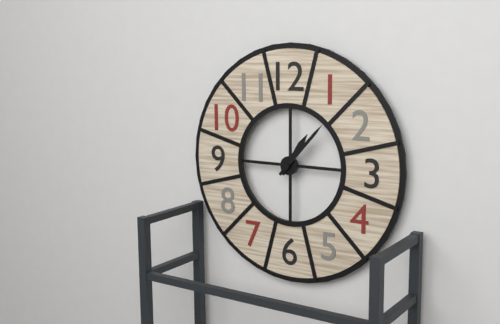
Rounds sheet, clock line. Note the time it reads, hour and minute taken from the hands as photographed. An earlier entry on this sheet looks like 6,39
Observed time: 1,07
